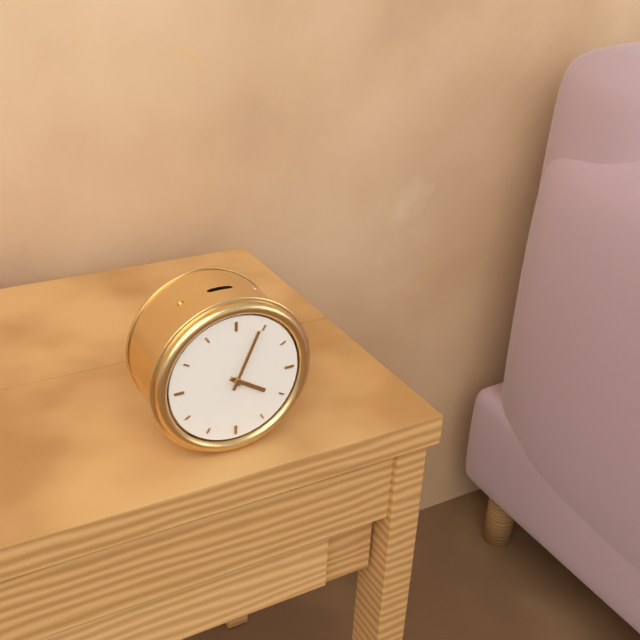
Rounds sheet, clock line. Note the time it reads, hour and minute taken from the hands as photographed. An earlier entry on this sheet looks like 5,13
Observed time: 4,04
